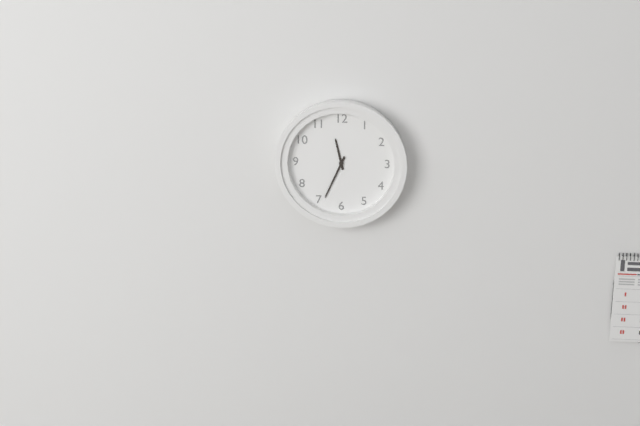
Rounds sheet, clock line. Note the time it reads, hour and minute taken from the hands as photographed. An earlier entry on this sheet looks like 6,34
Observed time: 11,34
